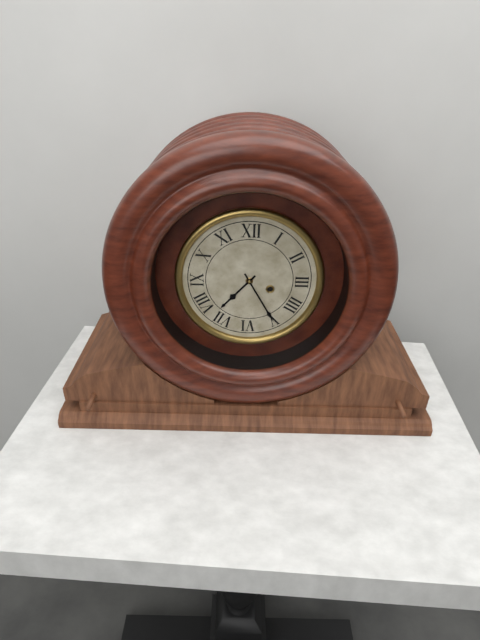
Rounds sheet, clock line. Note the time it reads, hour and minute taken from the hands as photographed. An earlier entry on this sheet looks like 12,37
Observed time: 7,25
